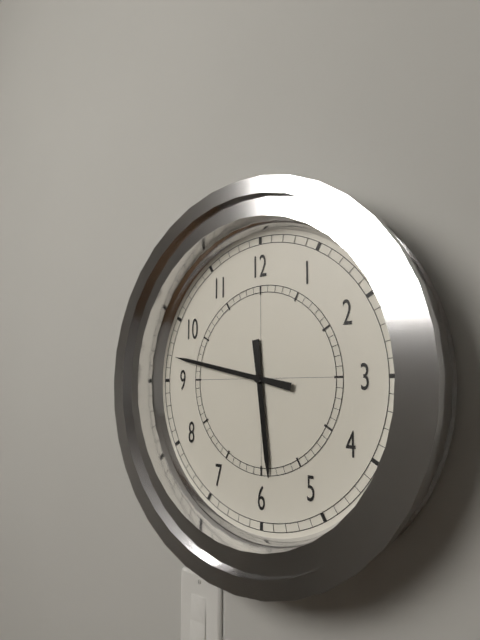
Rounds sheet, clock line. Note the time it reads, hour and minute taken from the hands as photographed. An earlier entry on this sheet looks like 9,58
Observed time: 5,47
